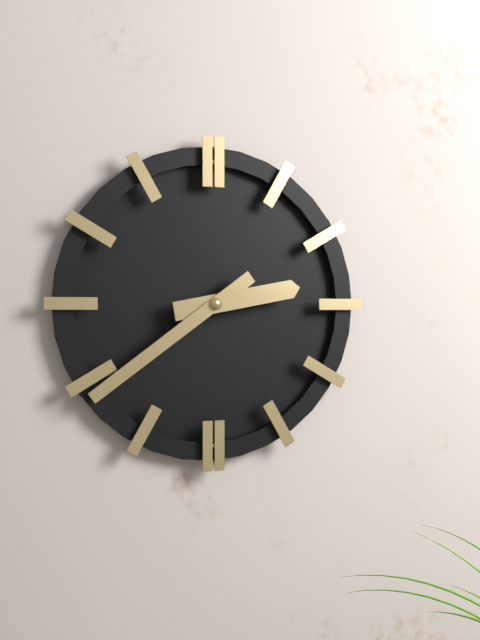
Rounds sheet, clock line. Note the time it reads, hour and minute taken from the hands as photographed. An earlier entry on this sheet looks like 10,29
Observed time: 2,39
